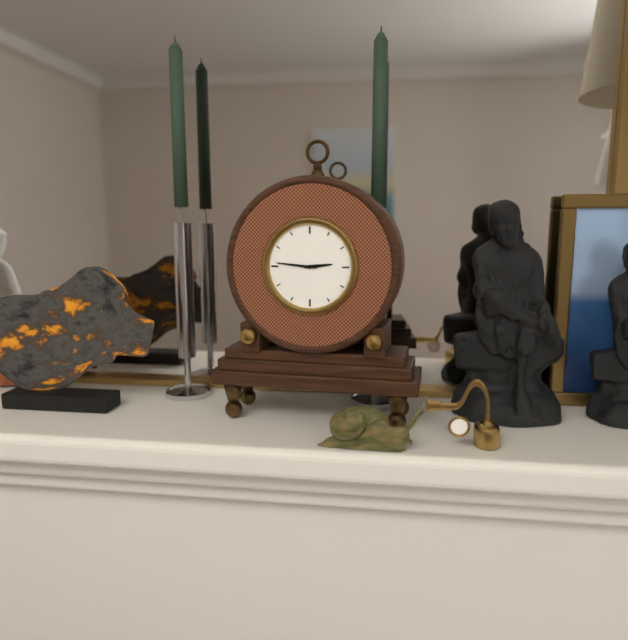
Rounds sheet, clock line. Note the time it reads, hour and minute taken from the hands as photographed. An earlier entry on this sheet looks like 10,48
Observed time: 2,46
